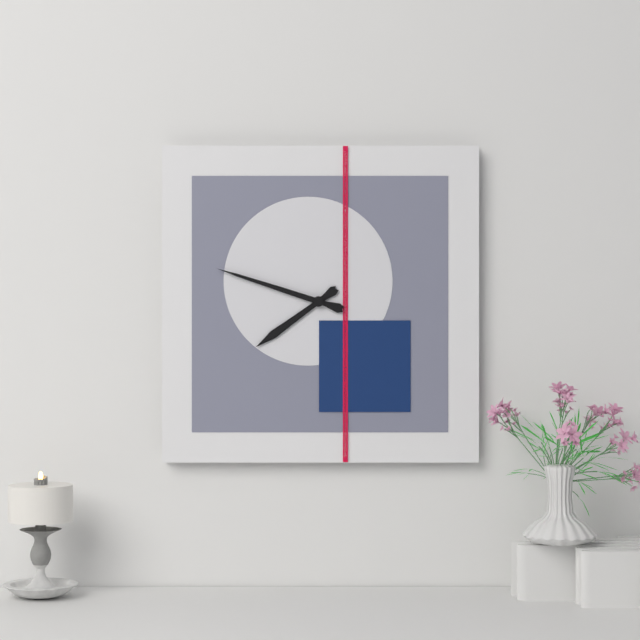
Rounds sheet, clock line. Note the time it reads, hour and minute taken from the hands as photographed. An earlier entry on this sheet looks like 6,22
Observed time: 7,48
